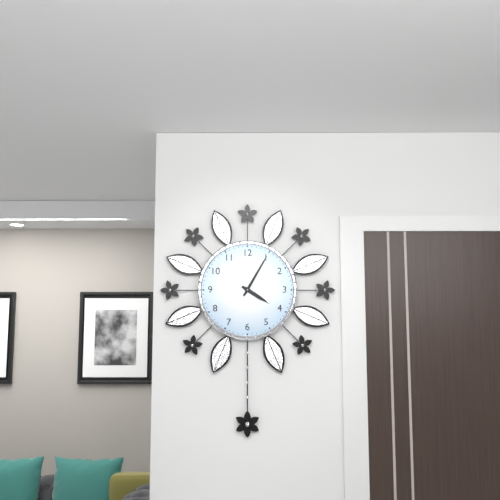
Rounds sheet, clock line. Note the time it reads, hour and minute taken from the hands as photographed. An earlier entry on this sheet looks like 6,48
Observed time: 4,05
